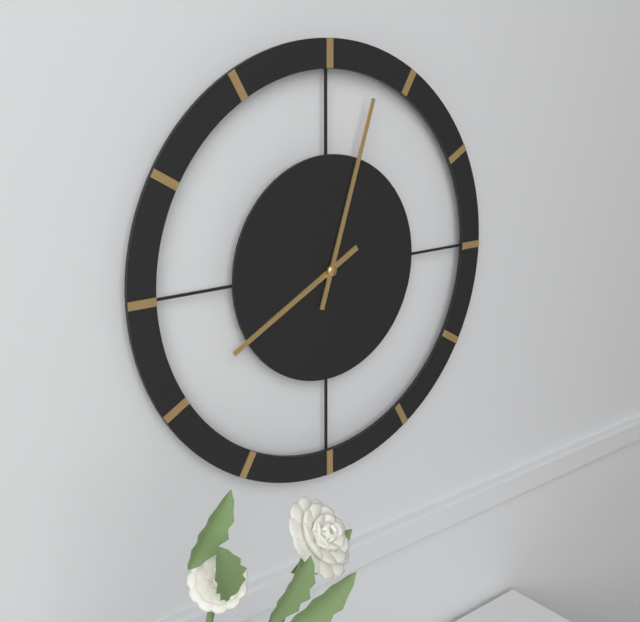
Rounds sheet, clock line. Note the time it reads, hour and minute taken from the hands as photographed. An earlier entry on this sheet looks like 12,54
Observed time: 8,03
